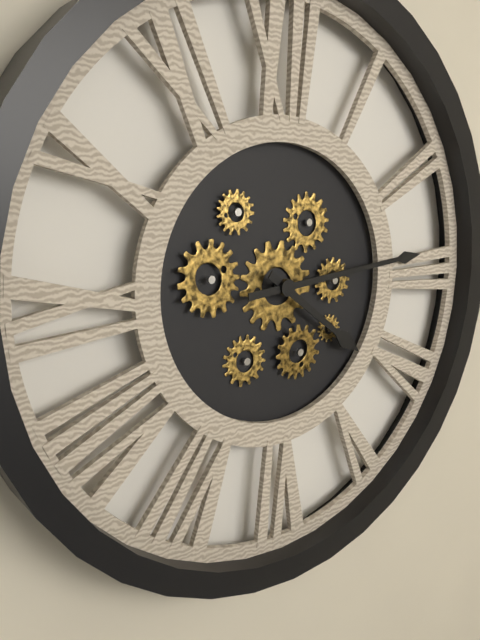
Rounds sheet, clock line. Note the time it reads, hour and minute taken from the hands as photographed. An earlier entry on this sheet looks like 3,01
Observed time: 4,14
